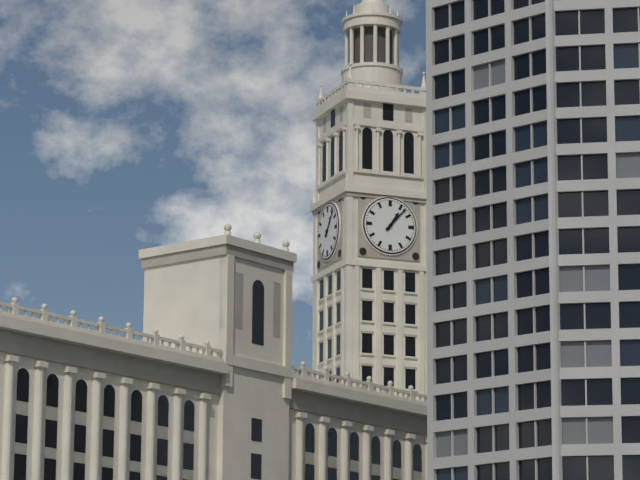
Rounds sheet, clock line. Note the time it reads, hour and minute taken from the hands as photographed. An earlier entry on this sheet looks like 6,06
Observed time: 1,07
